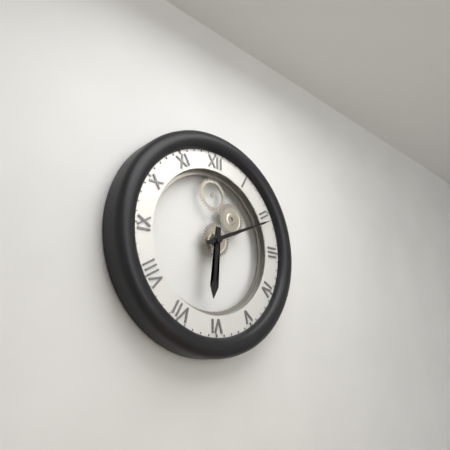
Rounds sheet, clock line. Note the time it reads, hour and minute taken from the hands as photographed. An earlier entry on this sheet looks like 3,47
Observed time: 6,11
